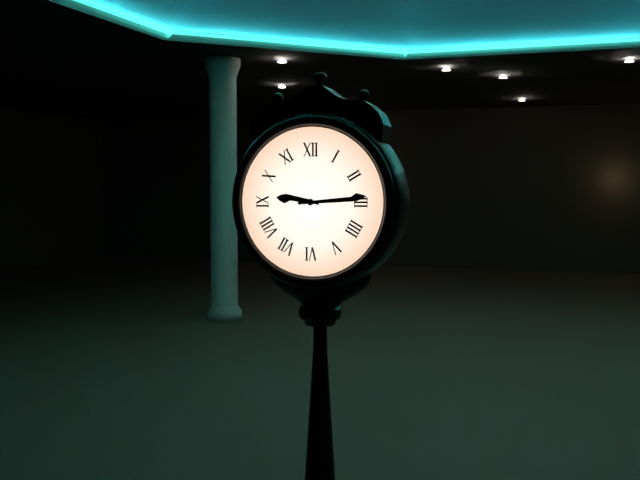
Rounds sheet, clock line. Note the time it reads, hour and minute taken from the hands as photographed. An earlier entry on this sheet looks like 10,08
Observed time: 9,14
